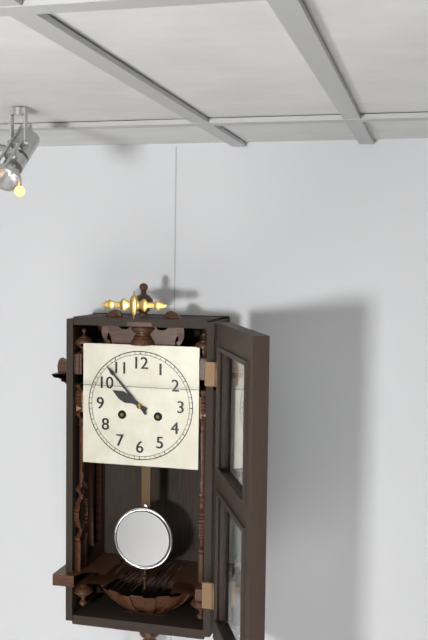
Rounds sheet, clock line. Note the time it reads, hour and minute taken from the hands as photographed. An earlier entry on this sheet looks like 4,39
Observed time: 9,53
